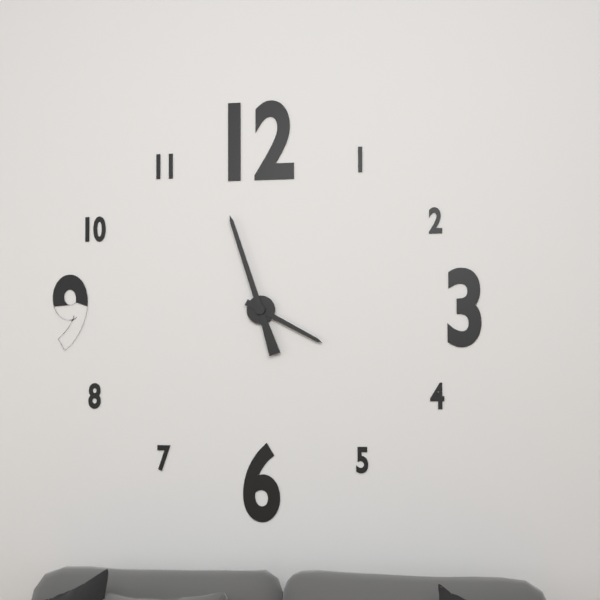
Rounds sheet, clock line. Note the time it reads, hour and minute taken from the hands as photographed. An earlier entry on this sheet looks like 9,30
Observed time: 3,57
